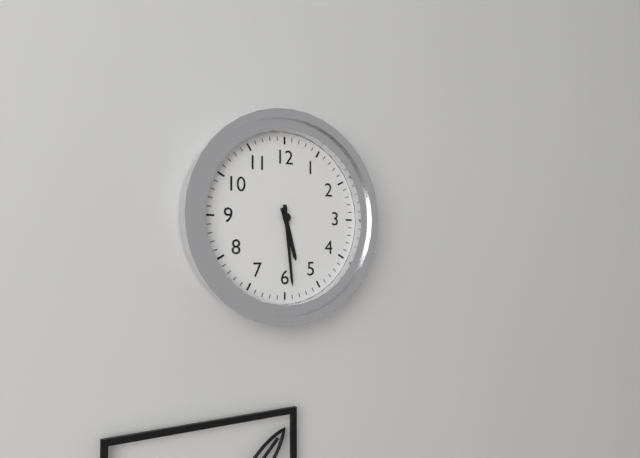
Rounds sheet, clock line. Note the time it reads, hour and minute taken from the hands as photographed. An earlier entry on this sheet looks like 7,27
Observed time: 5,29
